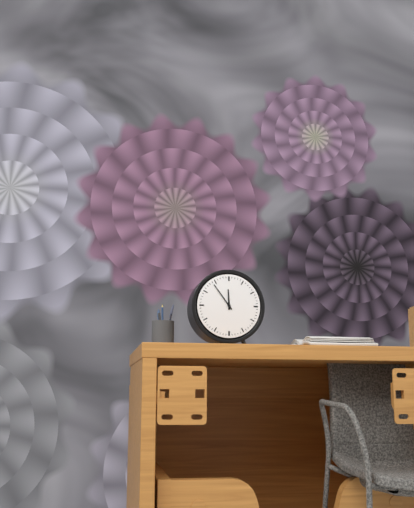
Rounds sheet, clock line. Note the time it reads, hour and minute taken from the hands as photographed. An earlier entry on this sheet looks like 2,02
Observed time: 11,54
